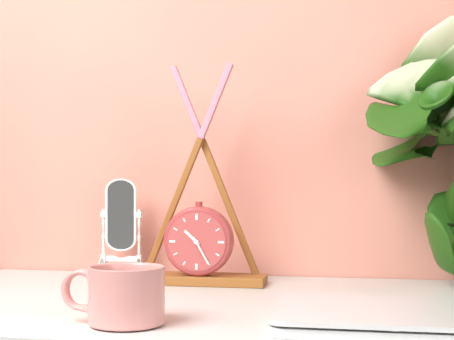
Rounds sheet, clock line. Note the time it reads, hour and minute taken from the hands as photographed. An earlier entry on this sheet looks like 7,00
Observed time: 10,25
